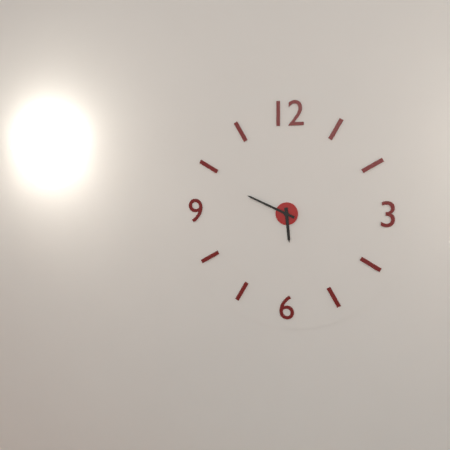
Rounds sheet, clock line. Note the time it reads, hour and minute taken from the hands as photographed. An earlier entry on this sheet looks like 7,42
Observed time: 5,49
